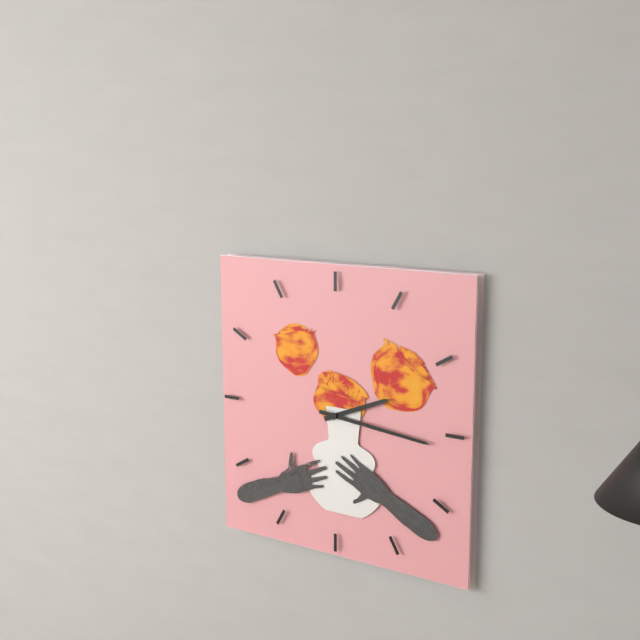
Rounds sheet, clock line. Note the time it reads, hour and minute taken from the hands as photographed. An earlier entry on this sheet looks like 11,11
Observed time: 2,16
